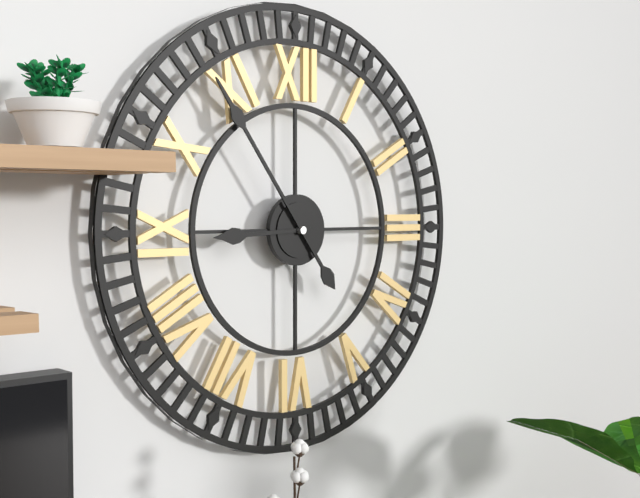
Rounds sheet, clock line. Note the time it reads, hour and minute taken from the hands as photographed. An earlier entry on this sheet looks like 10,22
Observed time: 8,54
